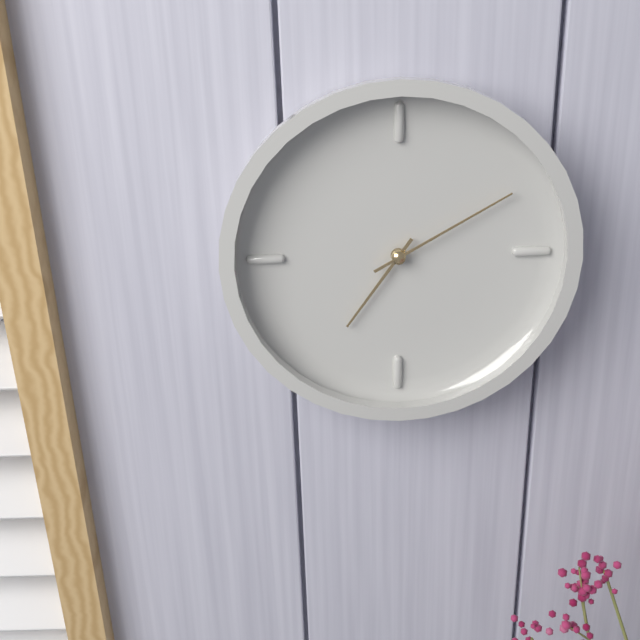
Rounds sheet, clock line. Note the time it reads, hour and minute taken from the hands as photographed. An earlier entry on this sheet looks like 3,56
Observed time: 7,10
